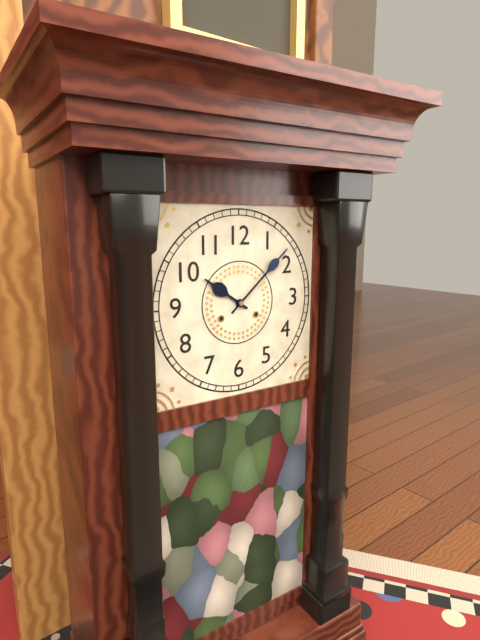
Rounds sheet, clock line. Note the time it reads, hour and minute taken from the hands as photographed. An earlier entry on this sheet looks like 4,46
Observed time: 10,08
